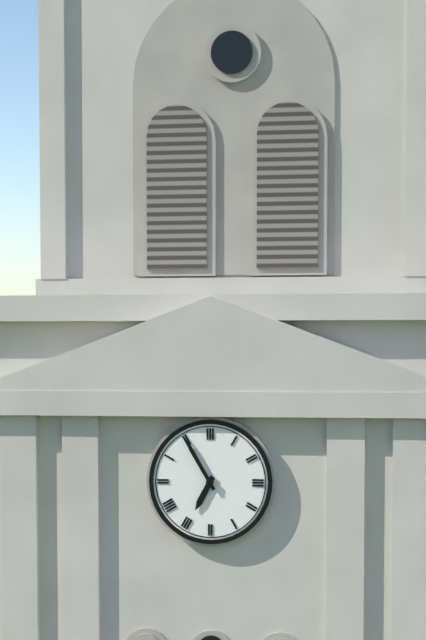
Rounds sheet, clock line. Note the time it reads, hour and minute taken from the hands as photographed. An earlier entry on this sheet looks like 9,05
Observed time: 6,55
